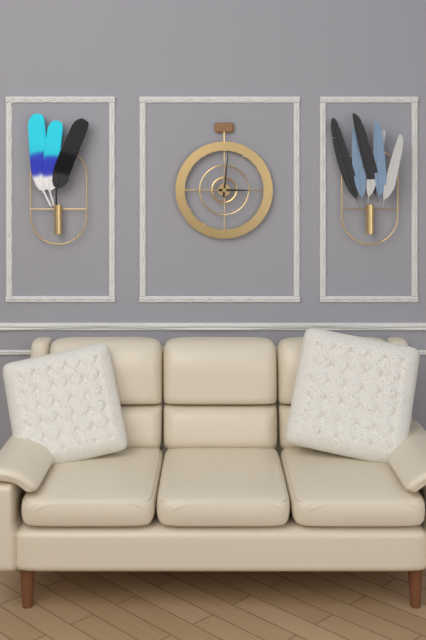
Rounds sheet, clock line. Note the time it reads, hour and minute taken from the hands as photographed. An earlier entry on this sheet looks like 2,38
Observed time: 3,01
